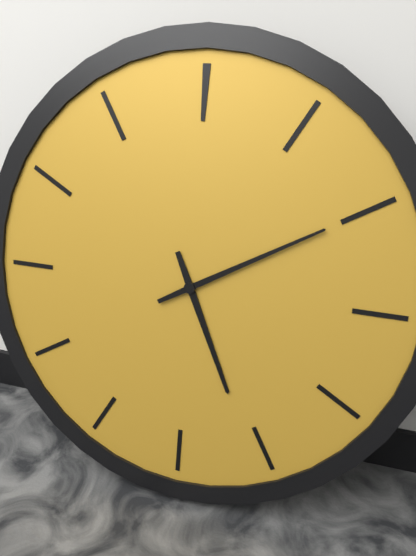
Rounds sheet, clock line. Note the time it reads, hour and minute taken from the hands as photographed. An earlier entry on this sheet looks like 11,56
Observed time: 5,10
